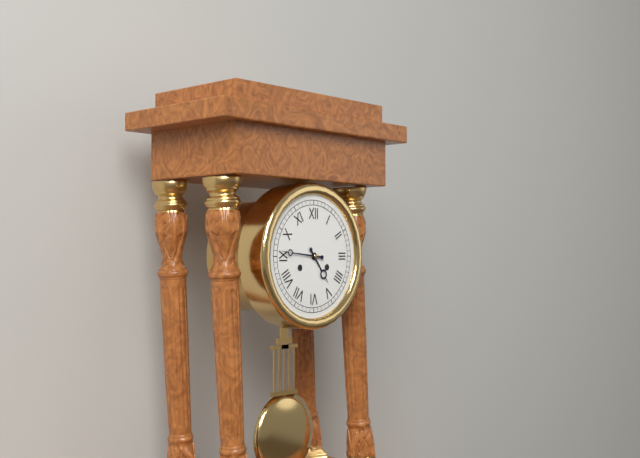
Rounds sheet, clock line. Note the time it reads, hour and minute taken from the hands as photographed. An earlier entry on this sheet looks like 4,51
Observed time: 4,46
